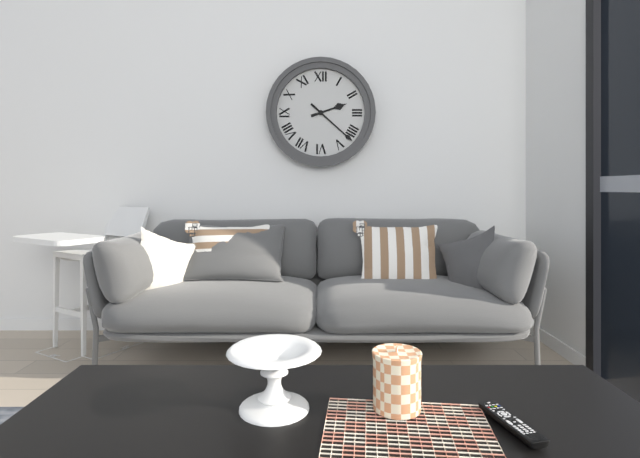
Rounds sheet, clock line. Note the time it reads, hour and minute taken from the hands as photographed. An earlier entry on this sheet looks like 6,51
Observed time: 2,22
